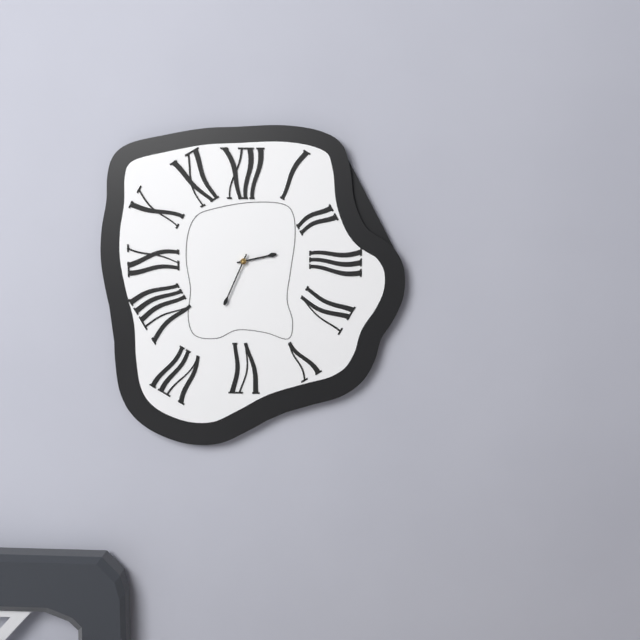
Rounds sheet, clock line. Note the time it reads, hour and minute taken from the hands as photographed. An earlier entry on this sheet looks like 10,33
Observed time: 2,34
